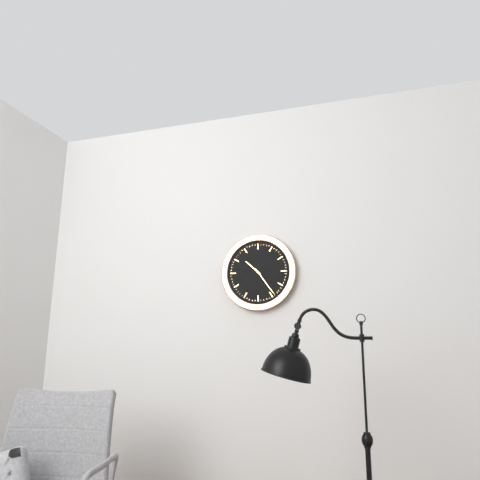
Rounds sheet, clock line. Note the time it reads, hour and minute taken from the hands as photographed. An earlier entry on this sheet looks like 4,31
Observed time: 10,24
